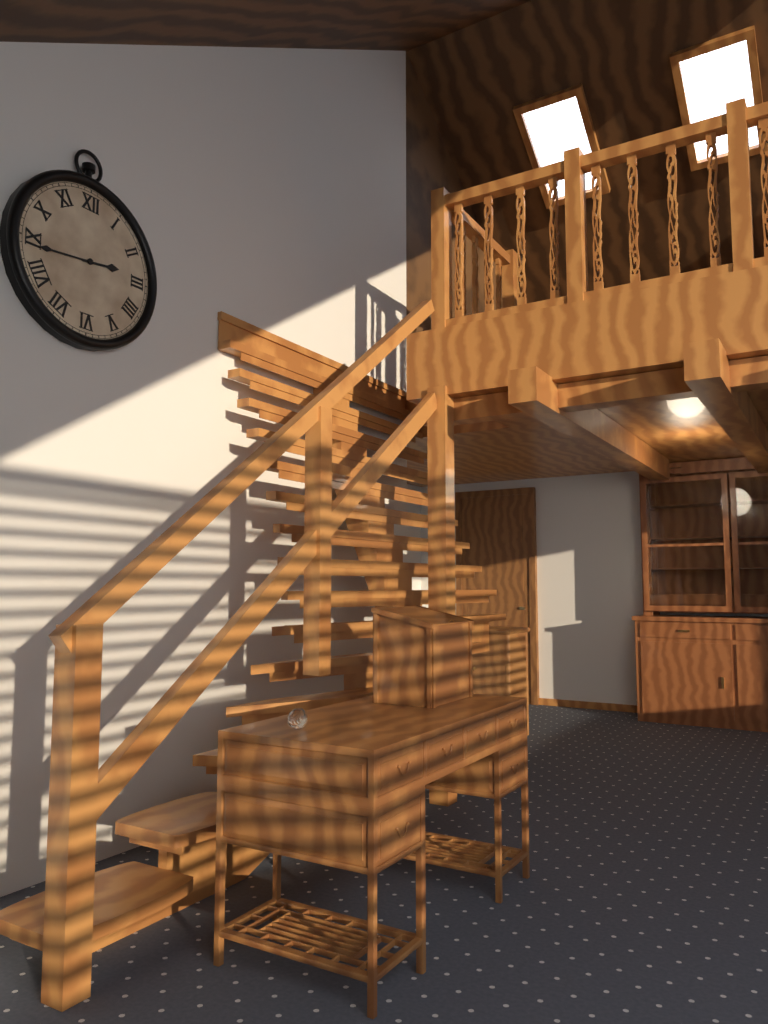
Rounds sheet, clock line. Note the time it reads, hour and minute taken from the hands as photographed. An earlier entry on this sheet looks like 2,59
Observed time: 2,44
